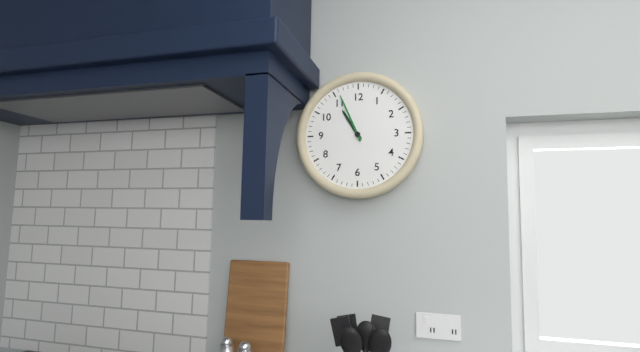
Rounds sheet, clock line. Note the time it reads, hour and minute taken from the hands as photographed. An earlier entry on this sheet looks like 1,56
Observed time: 10,56
